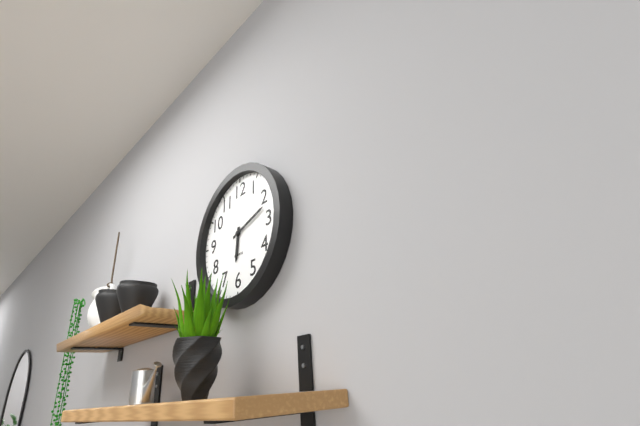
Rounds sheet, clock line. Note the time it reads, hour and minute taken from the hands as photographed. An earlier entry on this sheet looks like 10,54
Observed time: 6,12
